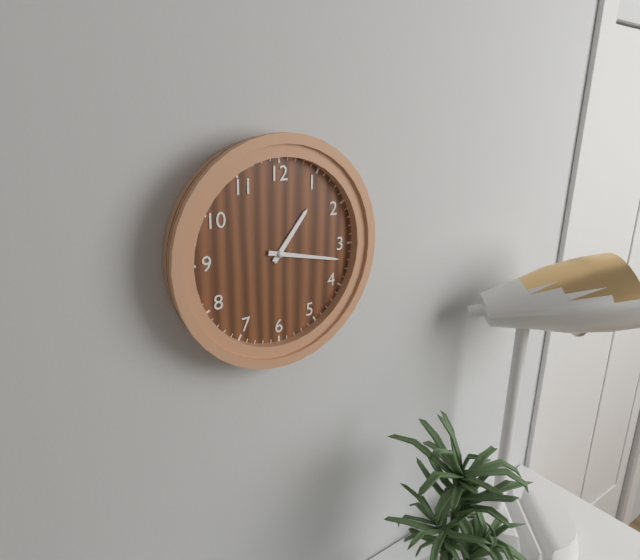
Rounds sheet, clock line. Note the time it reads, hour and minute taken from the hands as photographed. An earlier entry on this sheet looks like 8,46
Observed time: 1,17
